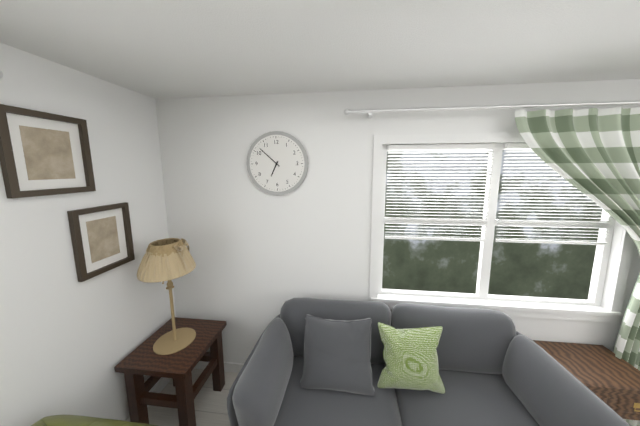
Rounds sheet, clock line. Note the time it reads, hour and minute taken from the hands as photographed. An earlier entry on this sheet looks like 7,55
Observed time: 6,52
